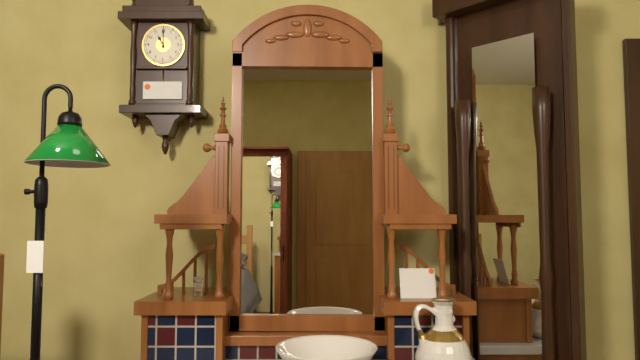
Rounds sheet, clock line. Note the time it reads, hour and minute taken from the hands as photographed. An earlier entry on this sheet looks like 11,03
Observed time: 11,00
